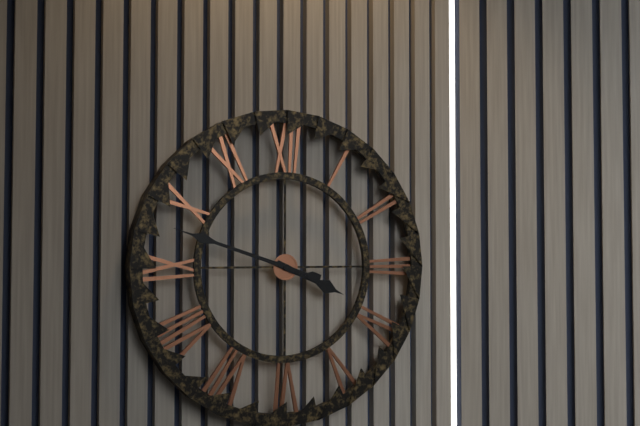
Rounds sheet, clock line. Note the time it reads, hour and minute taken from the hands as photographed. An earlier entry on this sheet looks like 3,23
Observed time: 3,48
